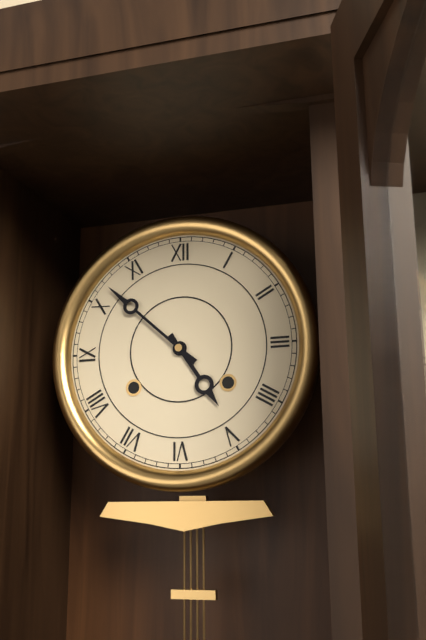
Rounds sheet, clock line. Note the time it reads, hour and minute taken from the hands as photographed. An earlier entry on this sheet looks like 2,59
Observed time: 4,52
